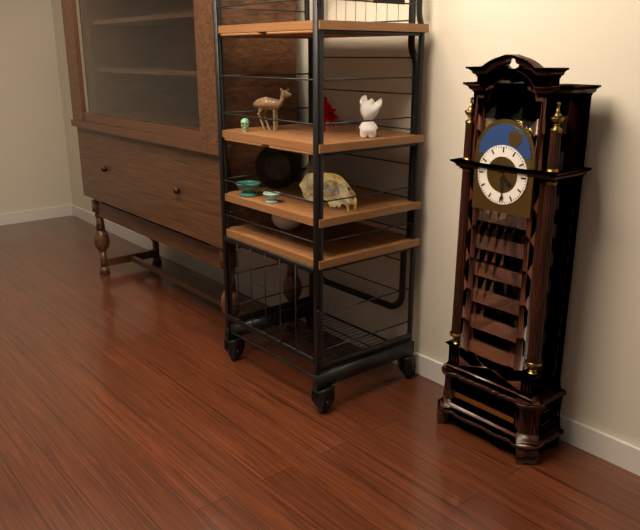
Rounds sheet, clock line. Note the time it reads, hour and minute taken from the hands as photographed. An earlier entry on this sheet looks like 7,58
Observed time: 4,29
